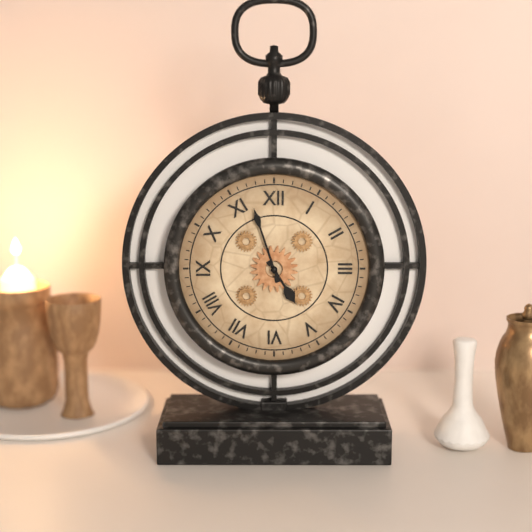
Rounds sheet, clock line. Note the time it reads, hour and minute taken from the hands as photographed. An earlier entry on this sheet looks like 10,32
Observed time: 4,57
